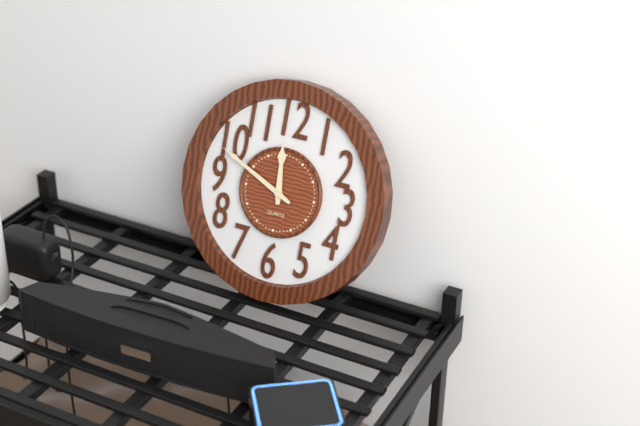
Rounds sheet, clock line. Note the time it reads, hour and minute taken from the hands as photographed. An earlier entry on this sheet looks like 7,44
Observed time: 11,49
